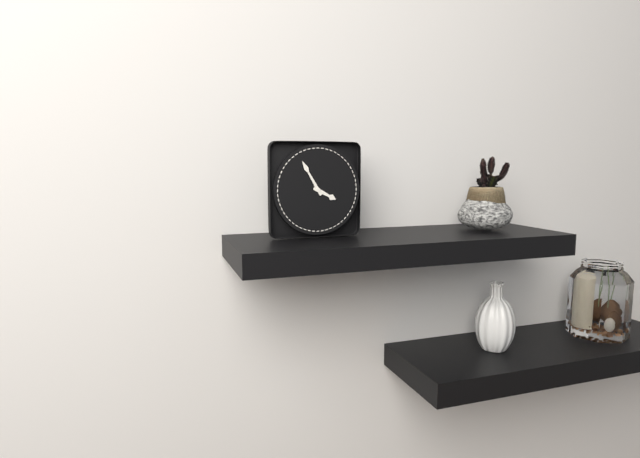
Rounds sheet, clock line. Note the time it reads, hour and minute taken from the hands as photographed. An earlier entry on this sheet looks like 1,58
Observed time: 3,55
